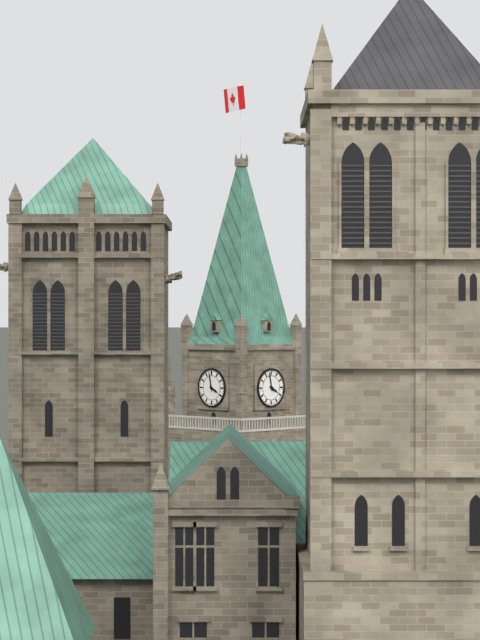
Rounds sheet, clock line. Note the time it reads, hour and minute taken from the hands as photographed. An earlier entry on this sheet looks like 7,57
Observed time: 3,58
